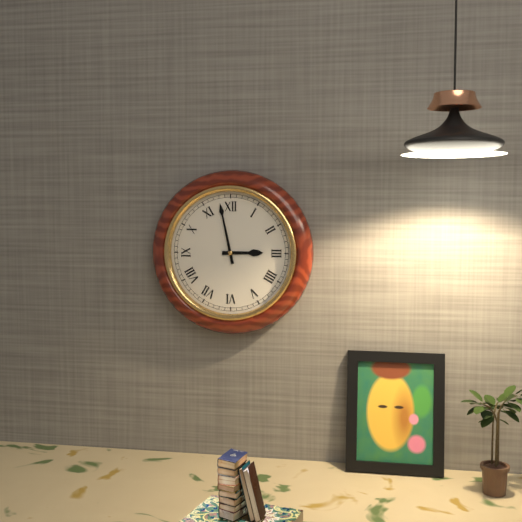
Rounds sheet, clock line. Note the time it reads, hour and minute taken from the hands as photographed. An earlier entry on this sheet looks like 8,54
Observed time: 2,58
